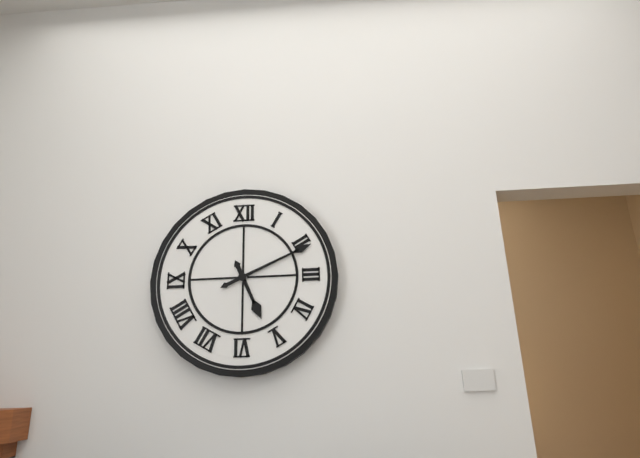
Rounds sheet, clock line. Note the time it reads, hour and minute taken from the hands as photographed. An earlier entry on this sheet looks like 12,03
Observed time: 5,11
